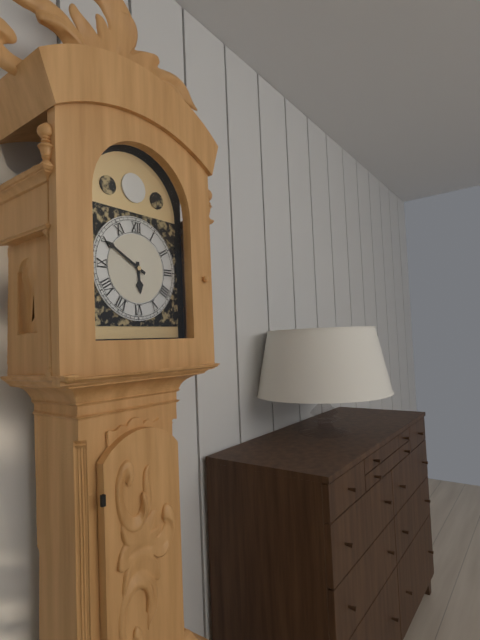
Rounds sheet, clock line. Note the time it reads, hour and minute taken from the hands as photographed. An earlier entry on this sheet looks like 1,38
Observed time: 5,50
